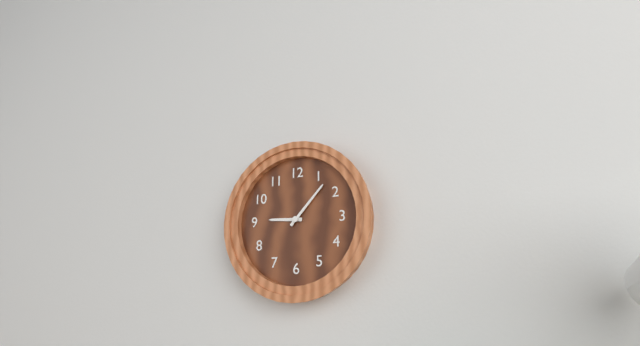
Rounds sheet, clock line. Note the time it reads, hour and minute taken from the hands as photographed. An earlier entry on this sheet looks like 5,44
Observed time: 9,07
